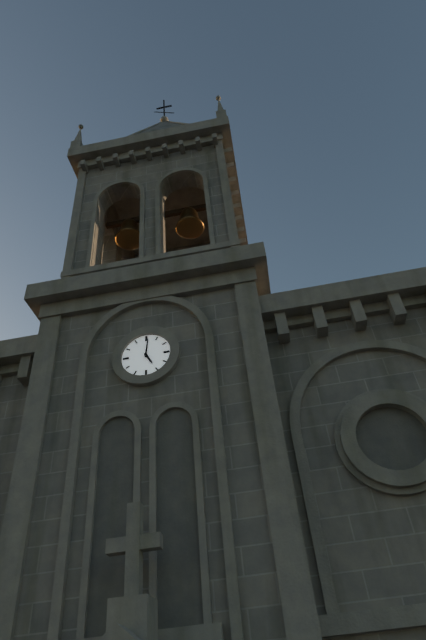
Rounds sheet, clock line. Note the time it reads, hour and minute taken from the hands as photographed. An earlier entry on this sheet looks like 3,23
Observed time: 5,01
